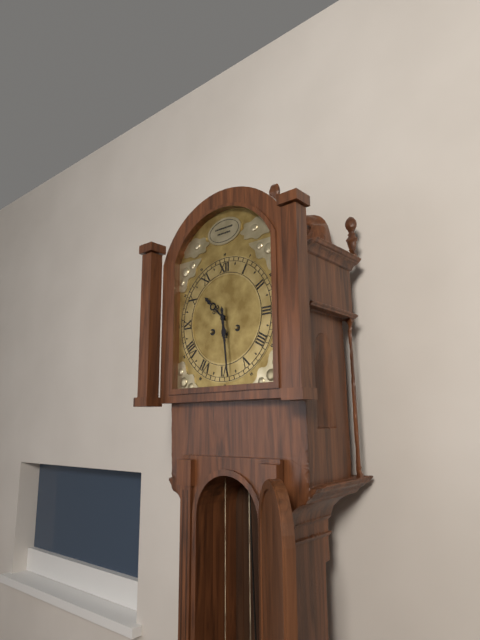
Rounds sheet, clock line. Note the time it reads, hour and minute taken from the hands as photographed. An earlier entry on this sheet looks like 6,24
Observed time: 10,29
